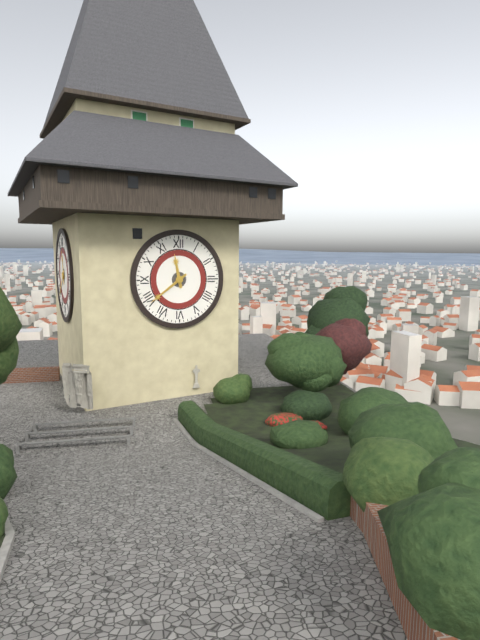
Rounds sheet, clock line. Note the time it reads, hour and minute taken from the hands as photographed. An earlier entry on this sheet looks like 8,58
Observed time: 11,39
